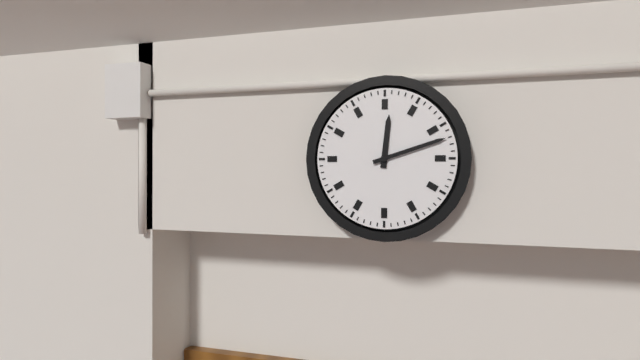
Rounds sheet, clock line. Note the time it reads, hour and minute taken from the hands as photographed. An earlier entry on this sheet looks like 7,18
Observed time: 12,12
